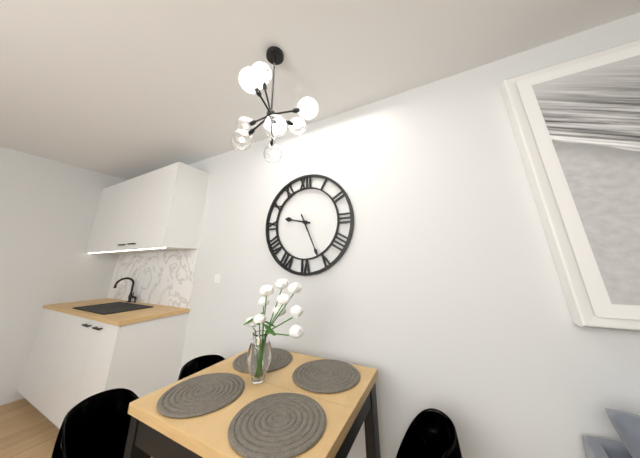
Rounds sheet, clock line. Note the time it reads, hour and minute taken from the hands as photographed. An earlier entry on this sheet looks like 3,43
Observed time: 9,26
